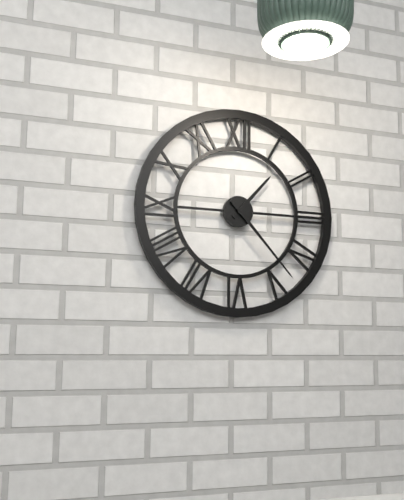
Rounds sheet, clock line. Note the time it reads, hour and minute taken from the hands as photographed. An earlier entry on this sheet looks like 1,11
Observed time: 1,23
